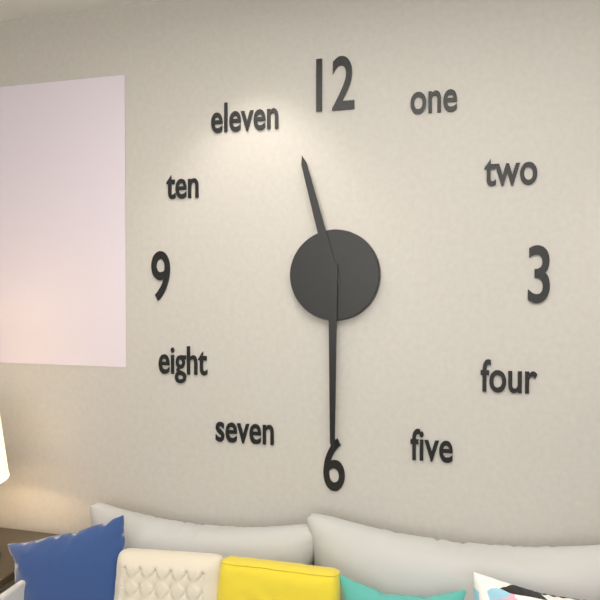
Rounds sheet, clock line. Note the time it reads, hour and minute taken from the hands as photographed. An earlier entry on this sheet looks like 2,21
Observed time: 11,30
